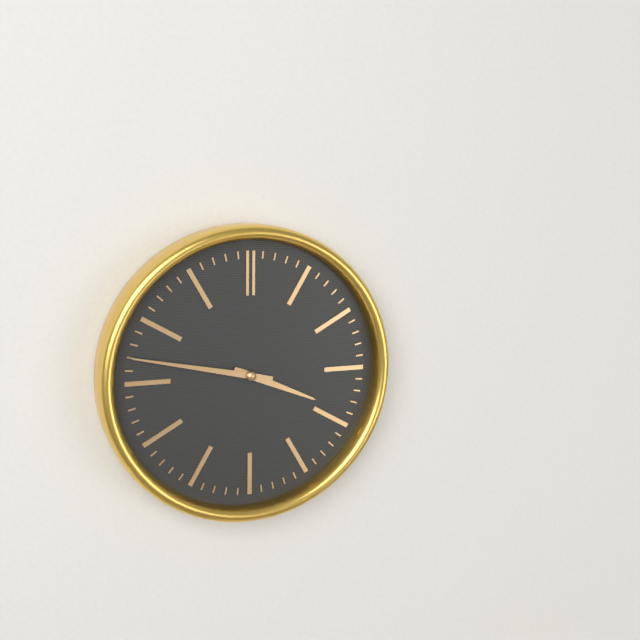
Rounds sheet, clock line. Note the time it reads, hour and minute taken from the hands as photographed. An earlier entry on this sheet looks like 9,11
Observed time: 3,47
